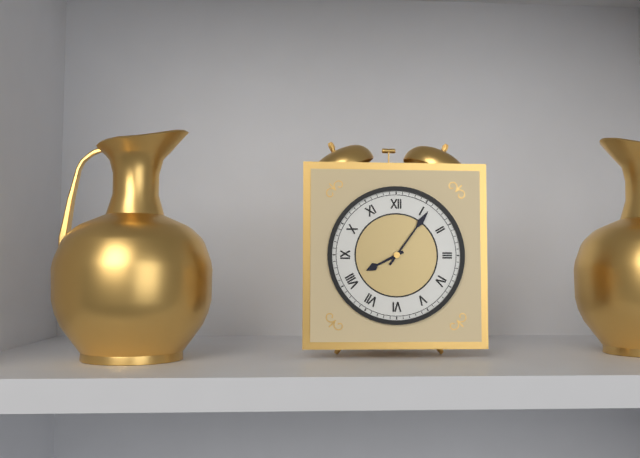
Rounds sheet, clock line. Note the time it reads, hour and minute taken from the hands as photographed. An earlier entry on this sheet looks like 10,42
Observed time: 8,06
